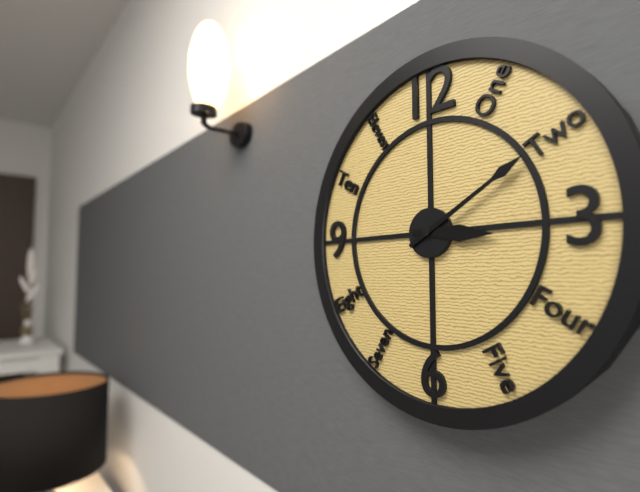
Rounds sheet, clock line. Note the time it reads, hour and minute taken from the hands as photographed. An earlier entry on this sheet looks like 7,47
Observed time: 3,10
